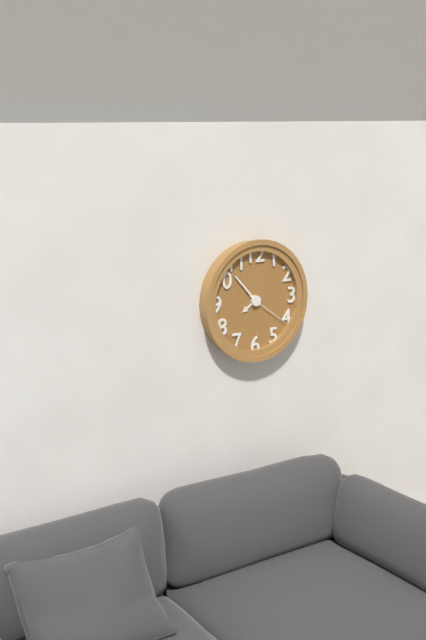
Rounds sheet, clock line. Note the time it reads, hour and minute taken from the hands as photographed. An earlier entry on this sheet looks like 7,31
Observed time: 7,53
